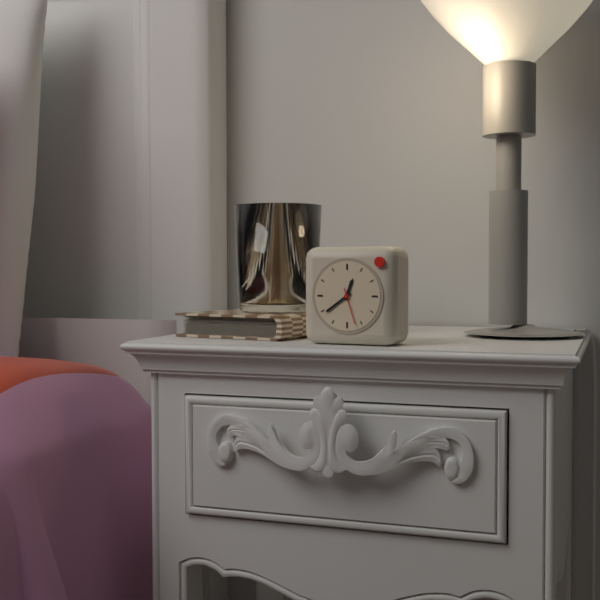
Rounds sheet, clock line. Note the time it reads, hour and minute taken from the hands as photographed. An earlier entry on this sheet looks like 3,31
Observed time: 12,39
